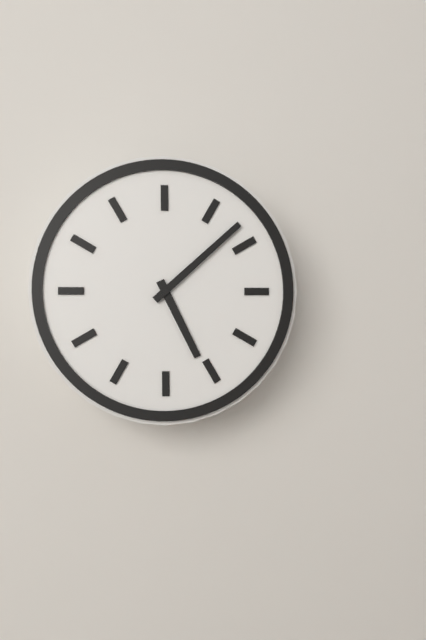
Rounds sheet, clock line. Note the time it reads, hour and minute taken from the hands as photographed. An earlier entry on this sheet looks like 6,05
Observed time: 5,08
